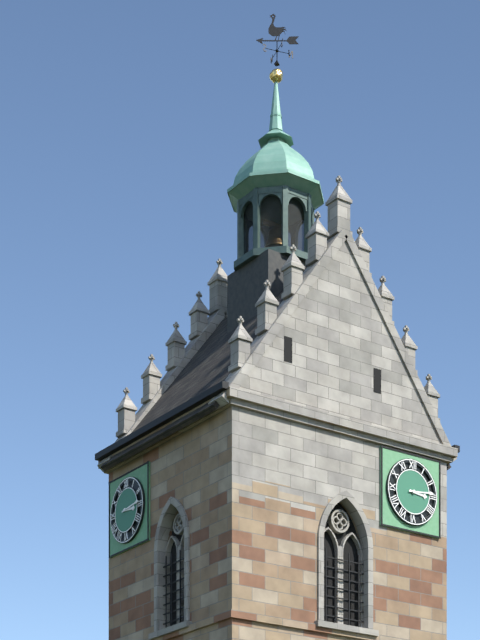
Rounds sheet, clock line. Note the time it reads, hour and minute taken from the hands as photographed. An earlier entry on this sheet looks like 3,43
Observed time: 3,14
